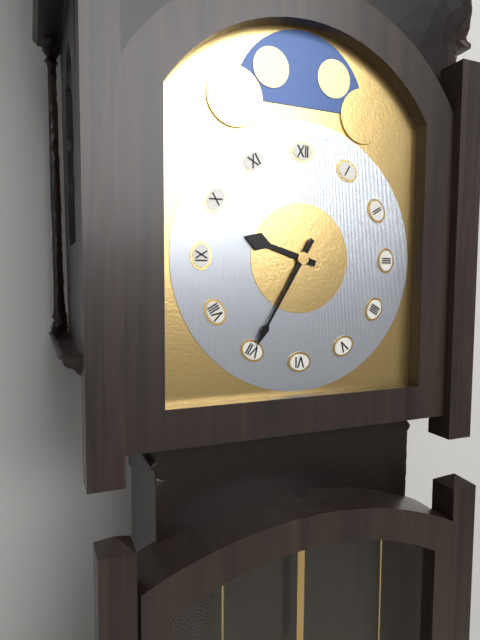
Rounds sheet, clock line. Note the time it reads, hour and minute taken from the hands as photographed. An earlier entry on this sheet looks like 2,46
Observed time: 9,35
